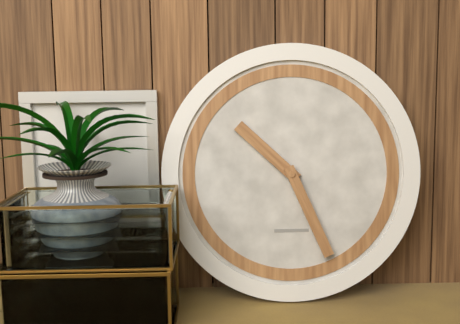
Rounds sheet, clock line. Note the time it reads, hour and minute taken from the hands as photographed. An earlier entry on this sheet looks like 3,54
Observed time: 10,26
